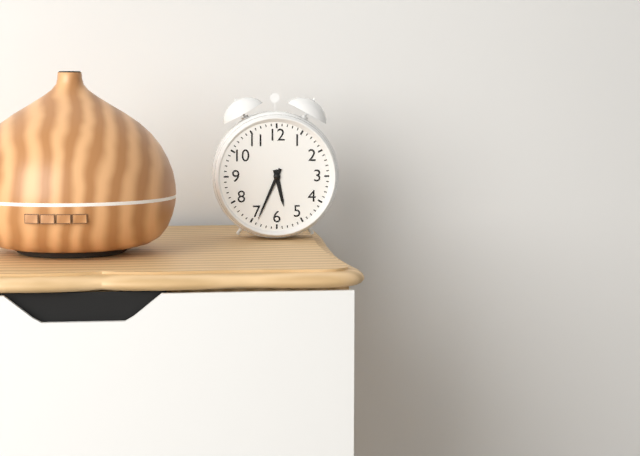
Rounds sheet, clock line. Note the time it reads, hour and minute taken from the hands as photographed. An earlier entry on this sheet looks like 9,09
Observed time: 5,34
